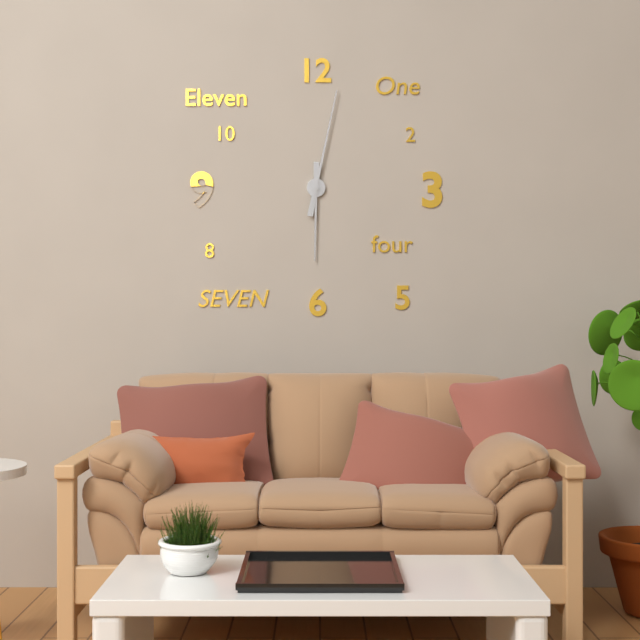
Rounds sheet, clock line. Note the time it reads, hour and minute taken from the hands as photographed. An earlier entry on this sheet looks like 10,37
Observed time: 6,02
